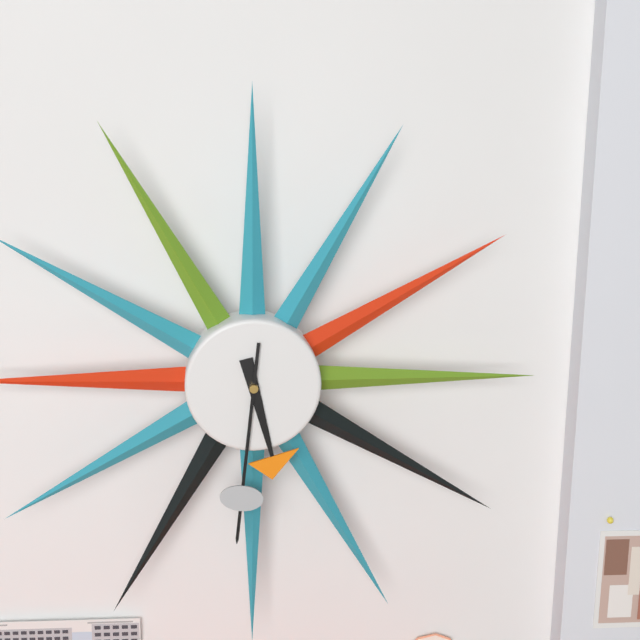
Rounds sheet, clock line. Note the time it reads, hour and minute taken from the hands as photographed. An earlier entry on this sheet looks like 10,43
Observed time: 5,31
